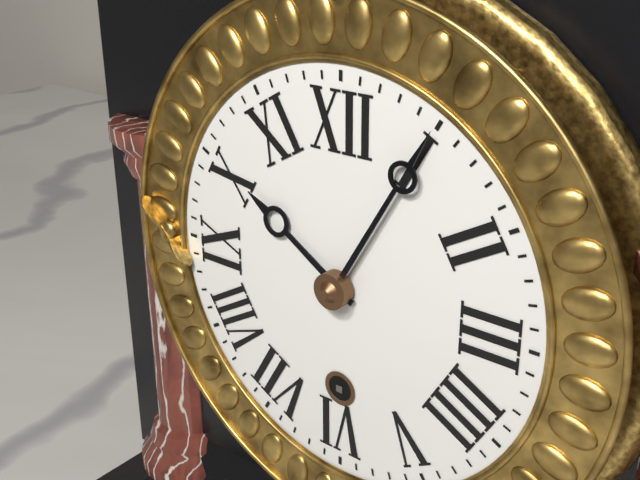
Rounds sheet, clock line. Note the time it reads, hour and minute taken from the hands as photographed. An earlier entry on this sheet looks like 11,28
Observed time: 10,05
